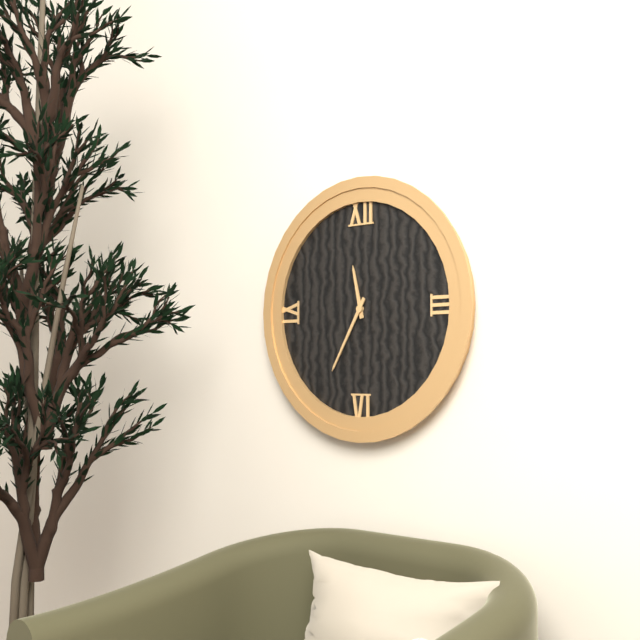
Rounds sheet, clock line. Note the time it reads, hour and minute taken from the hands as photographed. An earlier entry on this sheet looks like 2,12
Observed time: 11,35
